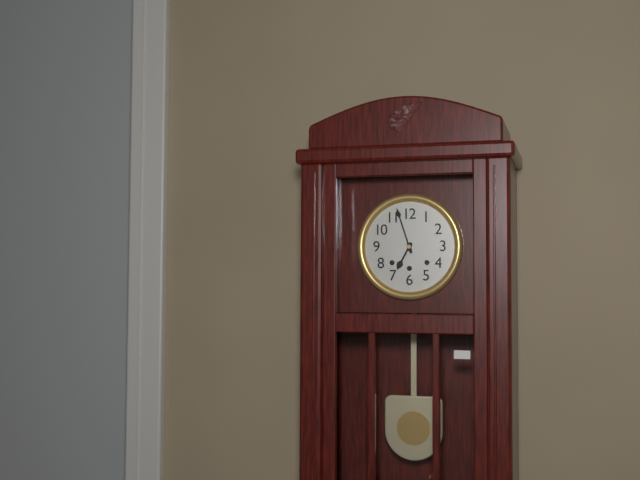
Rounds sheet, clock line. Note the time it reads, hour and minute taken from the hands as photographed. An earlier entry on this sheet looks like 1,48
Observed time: 6,57
